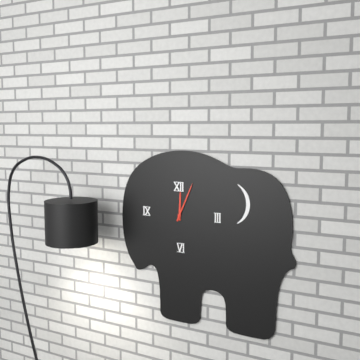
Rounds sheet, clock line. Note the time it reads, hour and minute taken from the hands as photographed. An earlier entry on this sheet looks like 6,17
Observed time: 12,04
